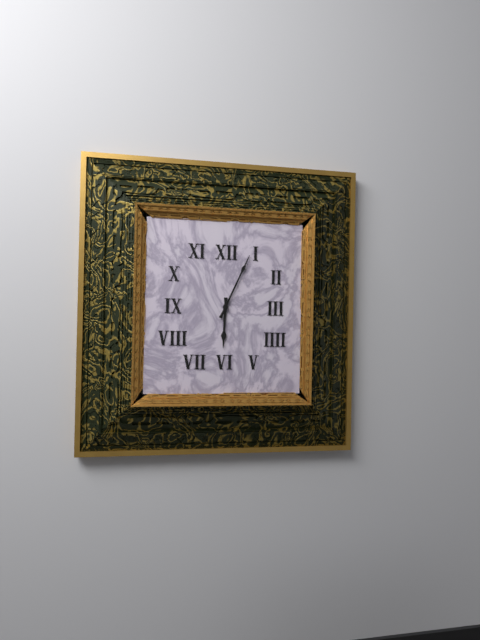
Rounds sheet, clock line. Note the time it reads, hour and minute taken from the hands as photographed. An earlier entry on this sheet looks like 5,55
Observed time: 6,04
